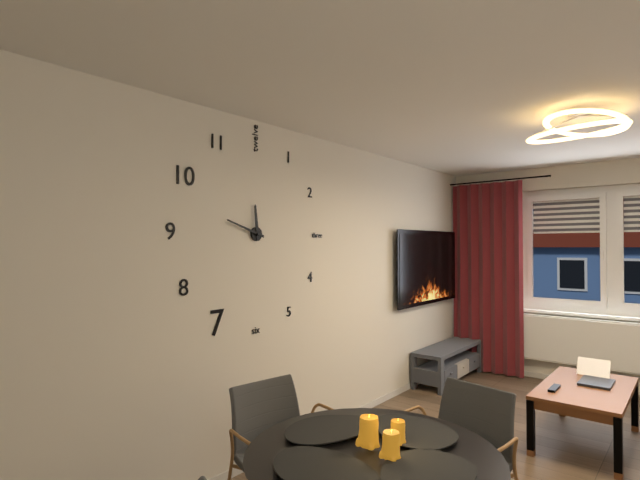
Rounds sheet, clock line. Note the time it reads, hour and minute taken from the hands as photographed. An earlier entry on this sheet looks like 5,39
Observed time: 11,48
